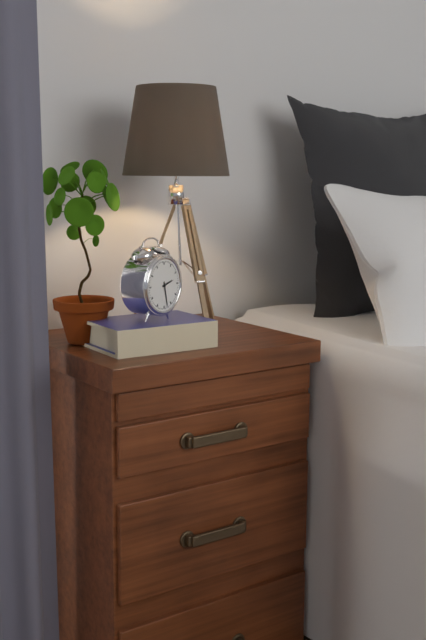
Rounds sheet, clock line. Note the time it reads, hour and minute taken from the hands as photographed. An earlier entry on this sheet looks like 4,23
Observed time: 2,28
